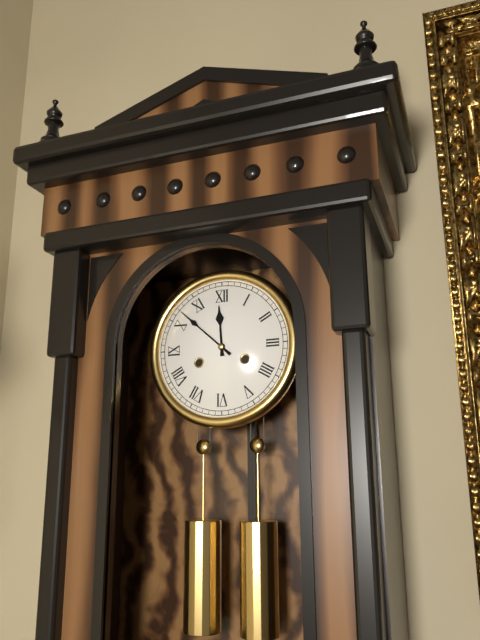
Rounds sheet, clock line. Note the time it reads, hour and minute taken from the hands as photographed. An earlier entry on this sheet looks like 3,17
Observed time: 11,52
